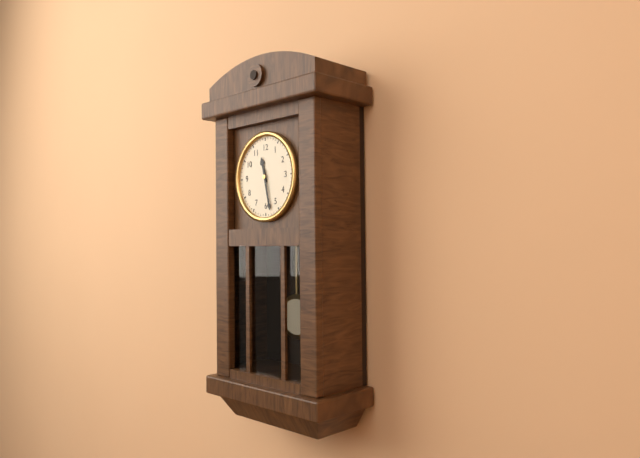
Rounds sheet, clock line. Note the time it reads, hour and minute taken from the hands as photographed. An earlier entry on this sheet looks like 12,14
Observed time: 11,28
